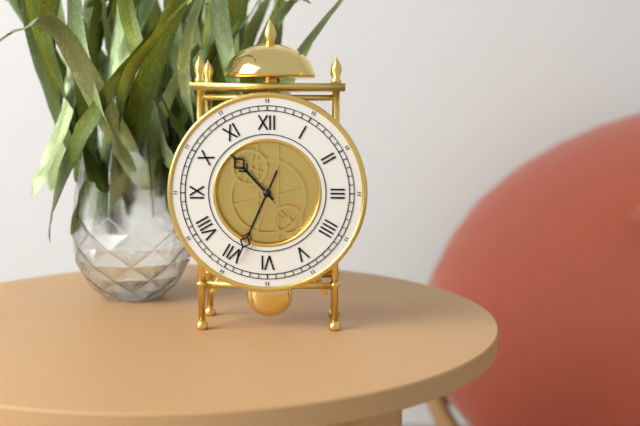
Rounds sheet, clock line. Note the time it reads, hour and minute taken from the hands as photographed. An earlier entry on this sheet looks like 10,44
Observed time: 10,34
